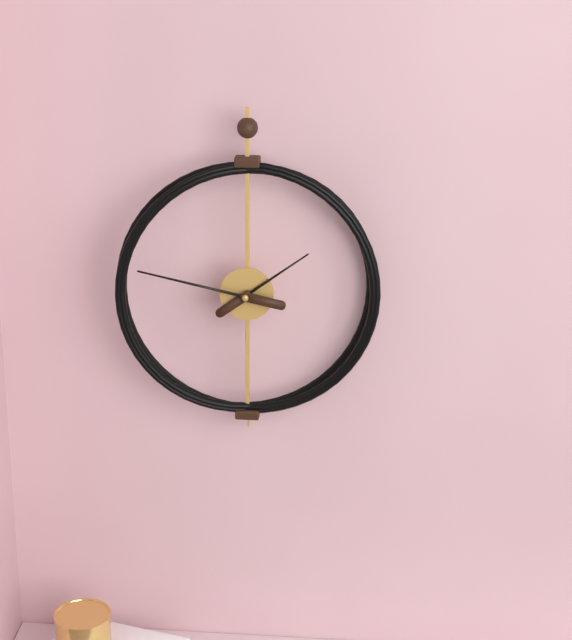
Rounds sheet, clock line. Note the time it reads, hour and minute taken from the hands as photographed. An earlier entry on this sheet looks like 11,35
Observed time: 1,47
